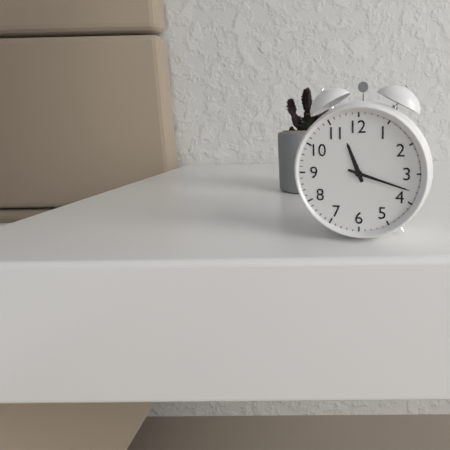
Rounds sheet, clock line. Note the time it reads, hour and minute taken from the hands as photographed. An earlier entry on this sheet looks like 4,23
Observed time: 11,18
